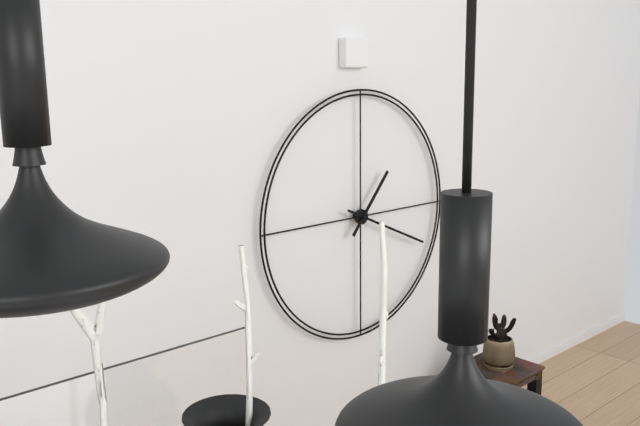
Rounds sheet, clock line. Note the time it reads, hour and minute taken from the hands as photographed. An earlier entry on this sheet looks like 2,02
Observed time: 1,19
